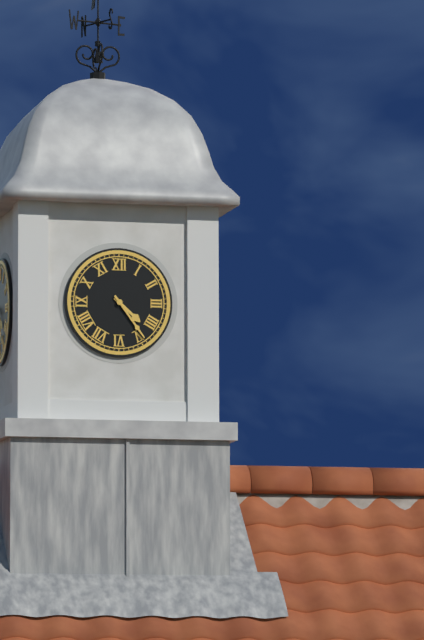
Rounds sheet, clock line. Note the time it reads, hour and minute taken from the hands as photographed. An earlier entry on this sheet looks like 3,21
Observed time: 4,24
